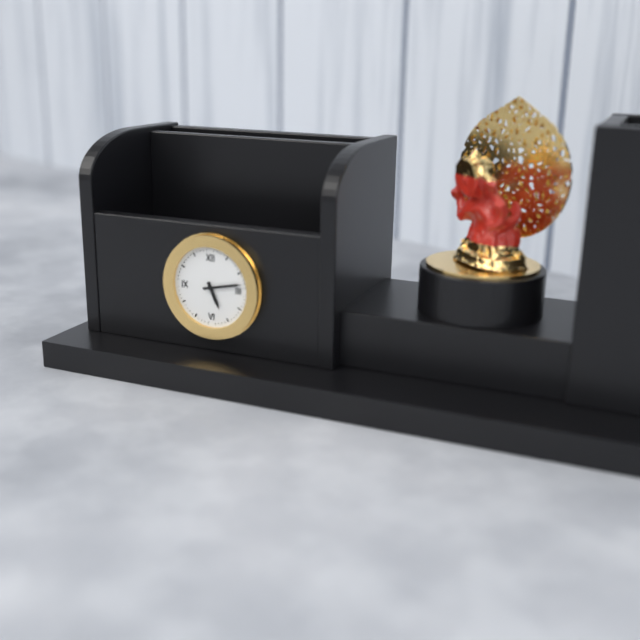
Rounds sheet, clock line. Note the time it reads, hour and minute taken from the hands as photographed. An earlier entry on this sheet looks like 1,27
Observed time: 5,13
